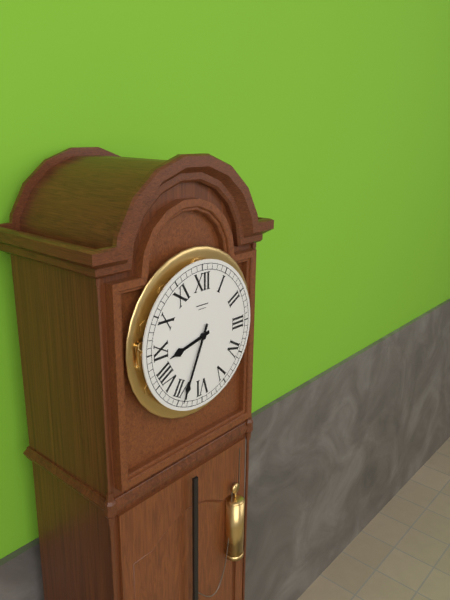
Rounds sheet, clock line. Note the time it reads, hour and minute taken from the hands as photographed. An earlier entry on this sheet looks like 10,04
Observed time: 8,34
